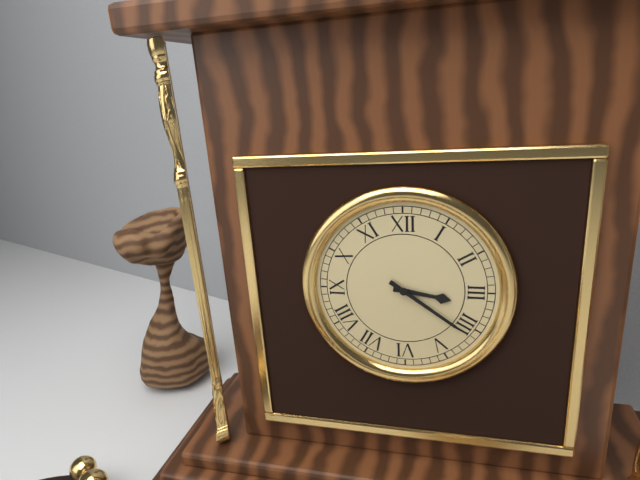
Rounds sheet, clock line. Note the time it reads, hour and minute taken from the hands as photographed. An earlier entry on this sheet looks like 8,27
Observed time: 3,21
